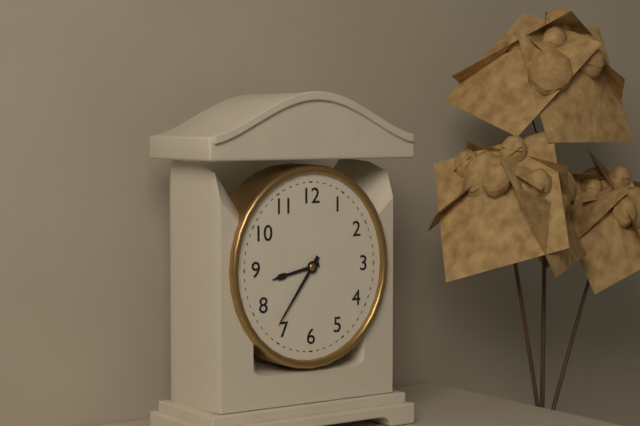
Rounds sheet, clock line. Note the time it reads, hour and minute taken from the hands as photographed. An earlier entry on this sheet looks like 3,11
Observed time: 8,36
